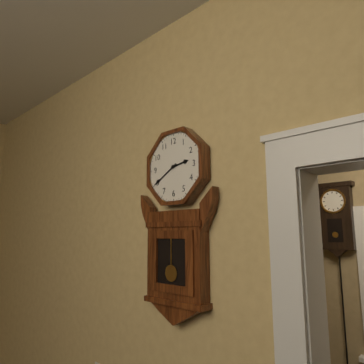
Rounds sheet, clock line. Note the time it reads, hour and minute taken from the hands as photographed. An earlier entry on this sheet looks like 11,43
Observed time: 2,40
